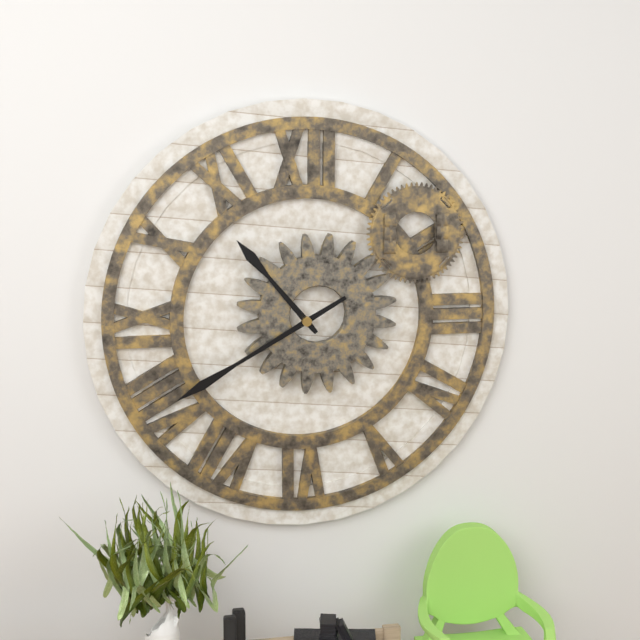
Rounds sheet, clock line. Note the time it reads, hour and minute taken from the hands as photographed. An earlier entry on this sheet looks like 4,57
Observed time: 10,40
